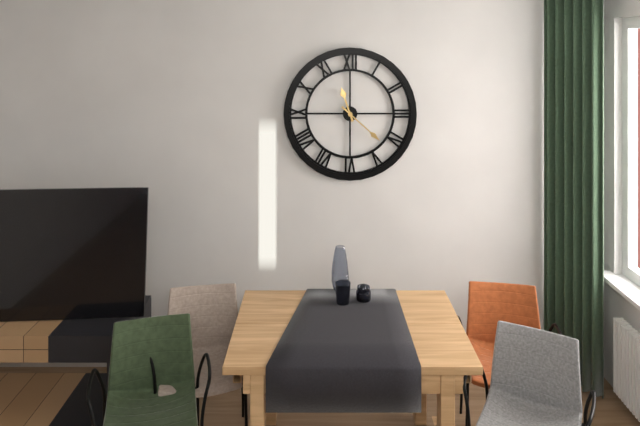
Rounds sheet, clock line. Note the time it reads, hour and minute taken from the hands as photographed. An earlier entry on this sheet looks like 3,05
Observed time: 11,22
